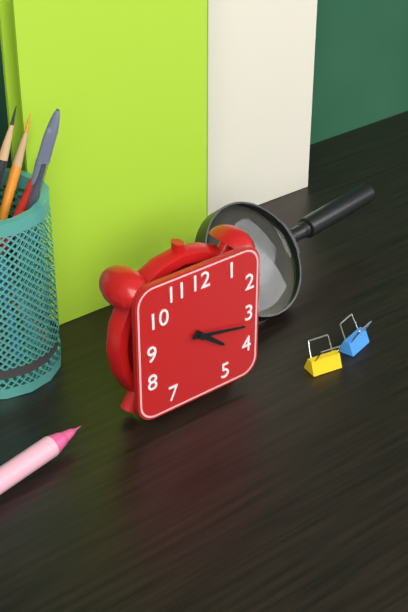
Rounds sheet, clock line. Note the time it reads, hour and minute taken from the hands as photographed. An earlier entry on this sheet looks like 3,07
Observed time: 4,17
